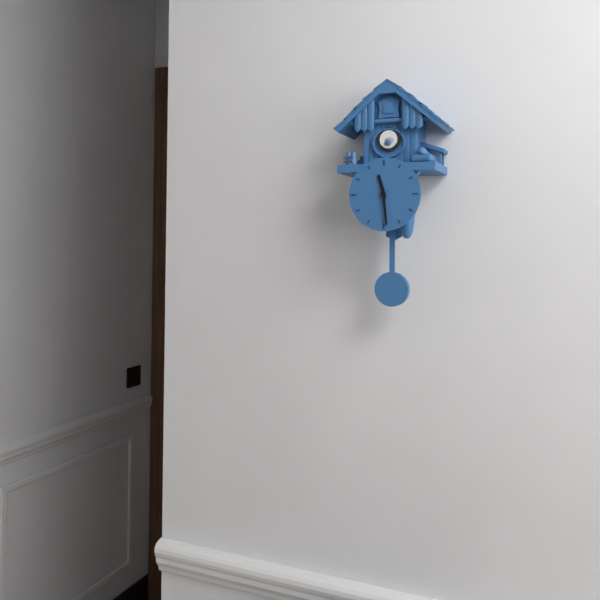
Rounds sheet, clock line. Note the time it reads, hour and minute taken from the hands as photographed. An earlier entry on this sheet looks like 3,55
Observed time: 11,29
